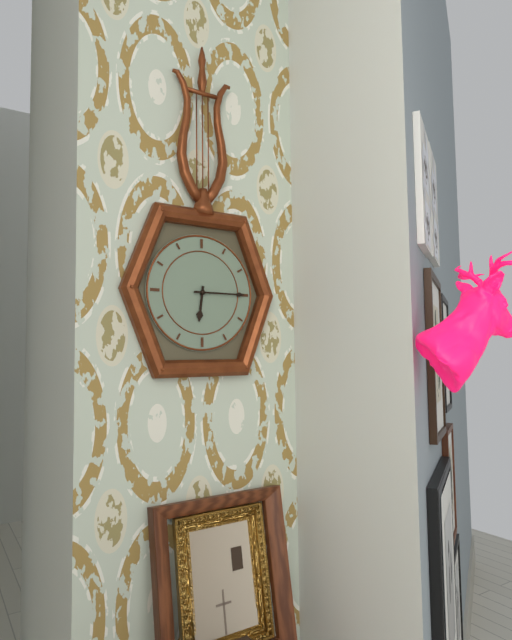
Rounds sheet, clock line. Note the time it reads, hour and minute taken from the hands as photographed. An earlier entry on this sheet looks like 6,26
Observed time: 6,15
